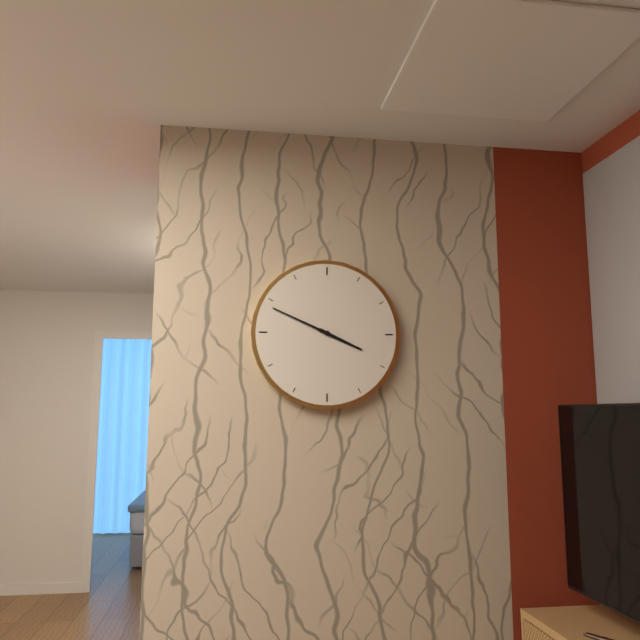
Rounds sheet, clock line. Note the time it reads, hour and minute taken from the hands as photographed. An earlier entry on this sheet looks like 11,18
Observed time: 3,49
